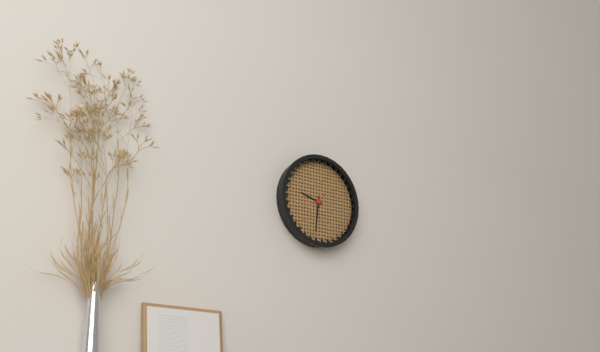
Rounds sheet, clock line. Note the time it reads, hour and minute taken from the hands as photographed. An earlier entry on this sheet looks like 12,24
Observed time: 9,31
